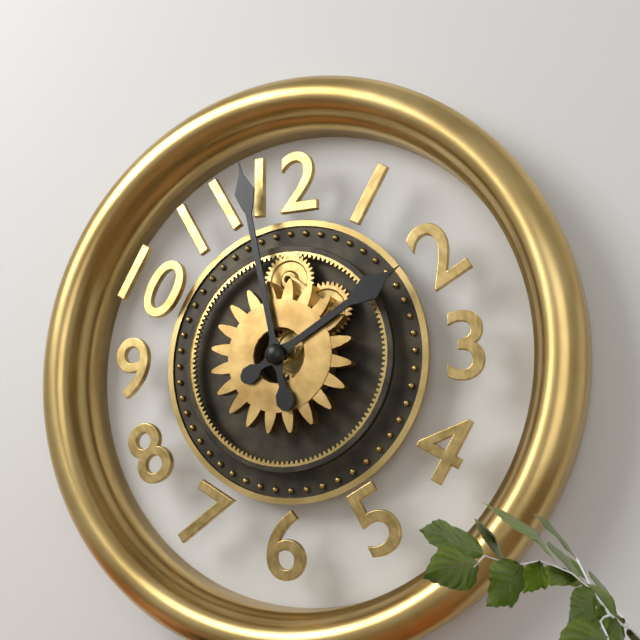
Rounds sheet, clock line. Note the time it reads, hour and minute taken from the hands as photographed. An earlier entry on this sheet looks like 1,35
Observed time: 1,58
